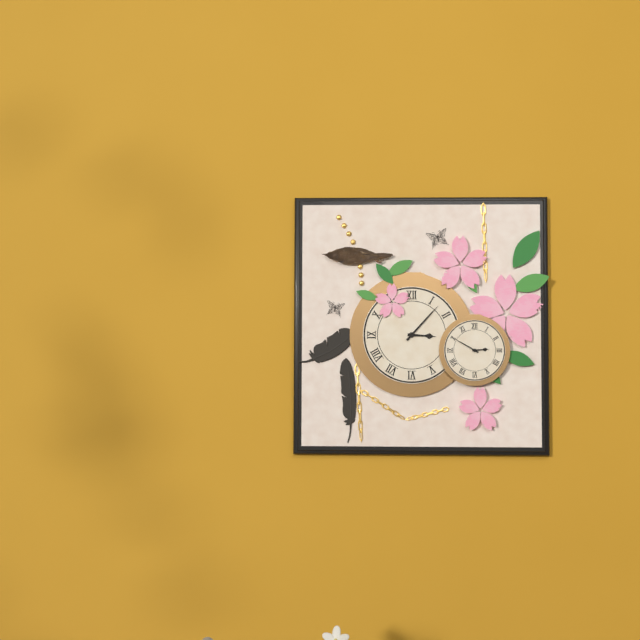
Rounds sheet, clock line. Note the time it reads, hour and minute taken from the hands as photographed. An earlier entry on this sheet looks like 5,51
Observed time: 3,07
